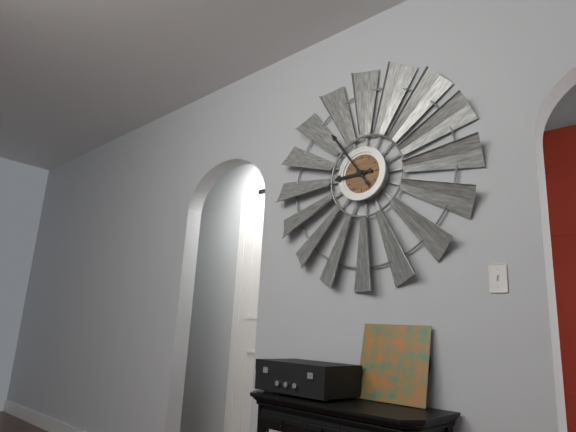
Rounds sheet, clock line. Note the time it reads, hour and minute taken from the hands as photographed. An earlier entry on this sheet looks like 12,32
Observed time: 8,54
